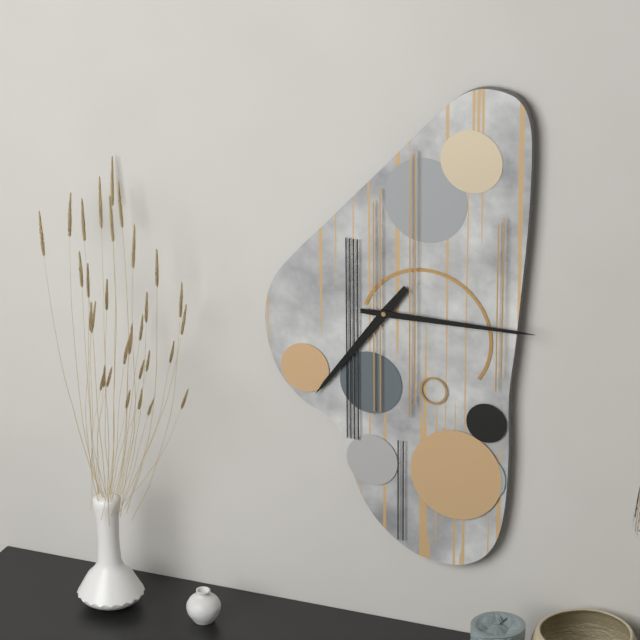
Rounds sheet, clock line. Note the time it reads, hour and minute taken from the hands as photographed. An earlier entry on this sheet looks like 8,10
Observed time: 7,15
